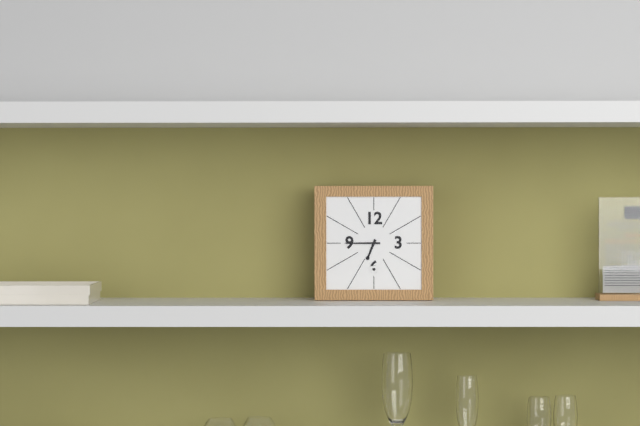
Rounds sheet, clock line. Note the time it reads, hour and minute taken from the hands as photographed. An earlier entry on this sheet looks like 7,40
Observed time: 6,45
